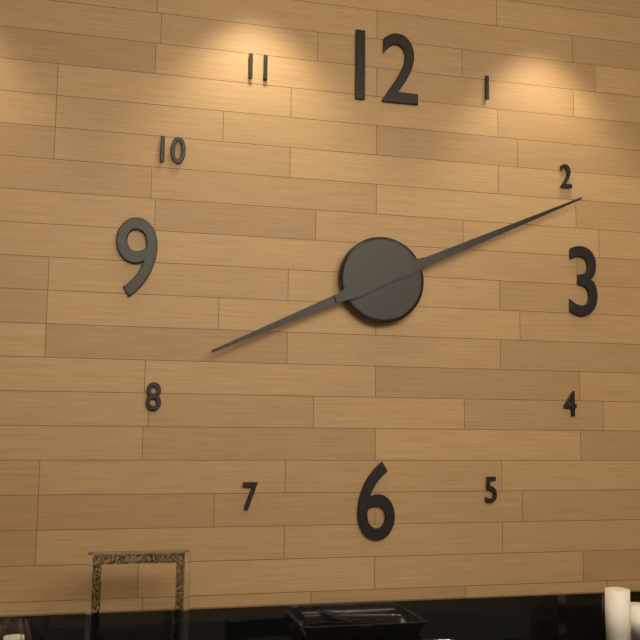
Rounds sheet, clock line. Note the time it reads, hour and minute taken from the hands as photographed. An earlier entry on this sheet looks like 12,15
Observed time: 8,11
